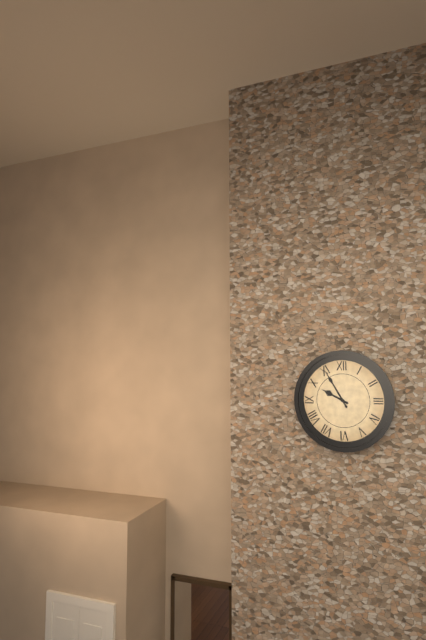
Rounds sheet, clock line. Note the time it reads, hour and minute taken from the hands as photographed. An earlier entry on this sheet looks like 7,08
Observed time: 9,55
